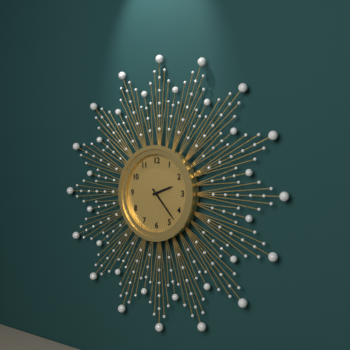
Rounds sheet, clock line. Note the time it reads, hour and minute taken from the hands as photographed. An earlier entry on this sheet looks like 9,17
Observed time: 2,23
